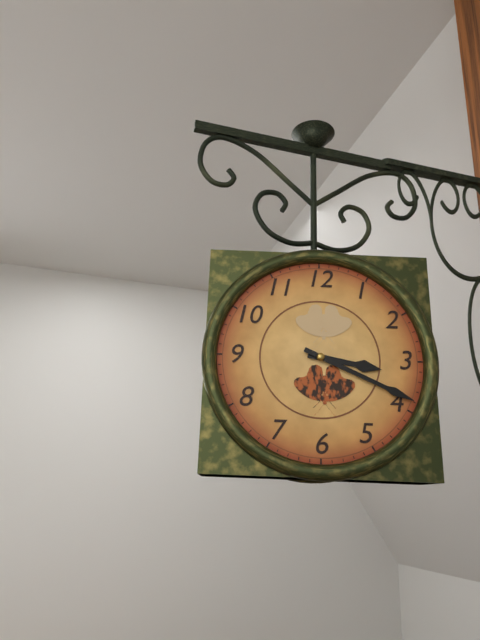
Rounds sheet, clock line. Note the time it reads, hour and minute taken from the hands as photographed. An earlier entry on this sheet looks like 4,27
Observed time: 3,19
